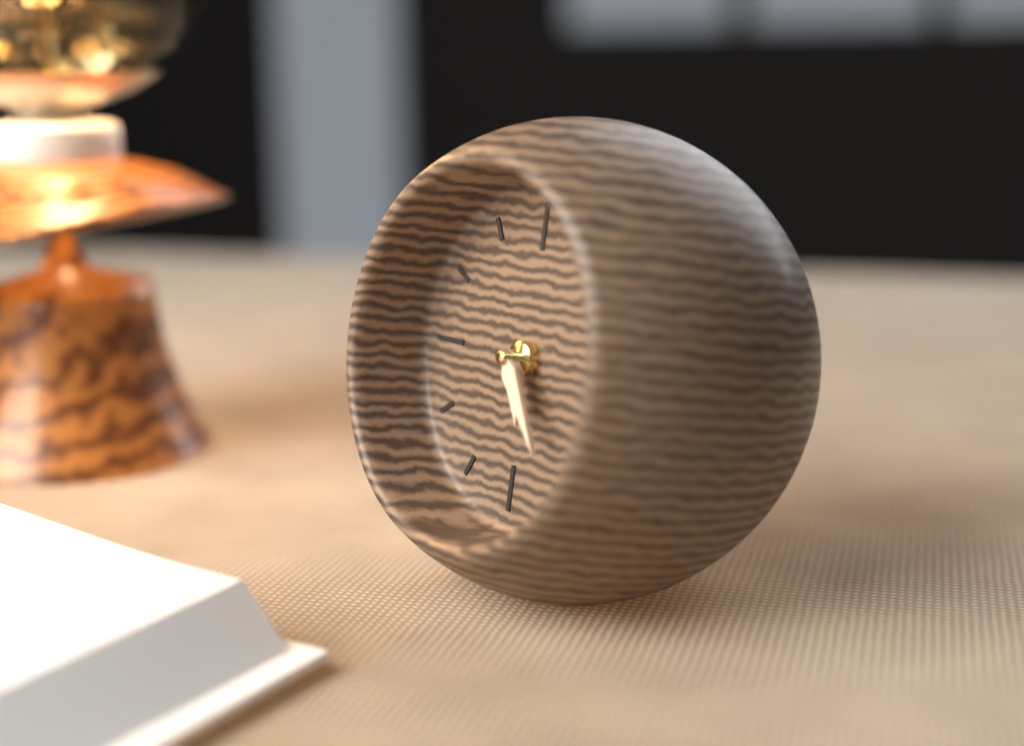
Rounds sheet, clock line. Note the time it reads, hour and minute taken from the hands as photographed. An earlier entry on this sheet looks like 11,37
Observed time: 5,24
